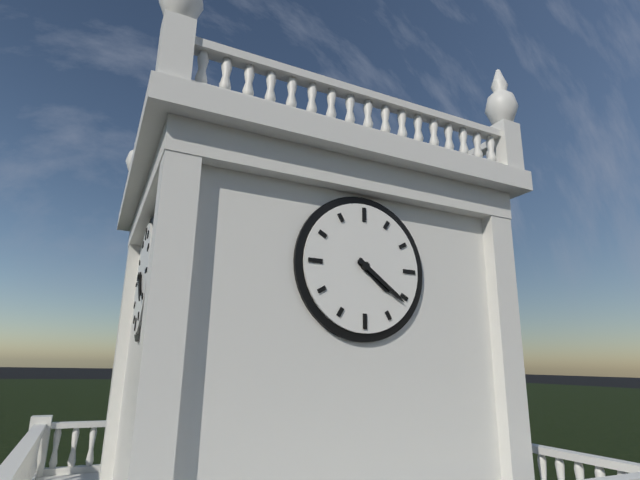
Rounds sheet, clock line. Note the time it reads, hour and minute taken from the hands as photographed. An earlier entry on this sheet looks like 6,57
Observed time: 4,21
